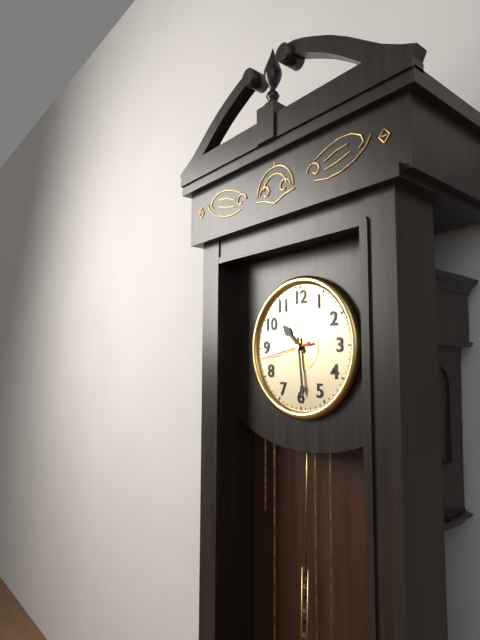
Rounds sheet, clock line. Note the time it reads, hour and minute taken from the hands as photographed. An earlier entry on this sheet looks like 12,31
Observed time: 10,29
